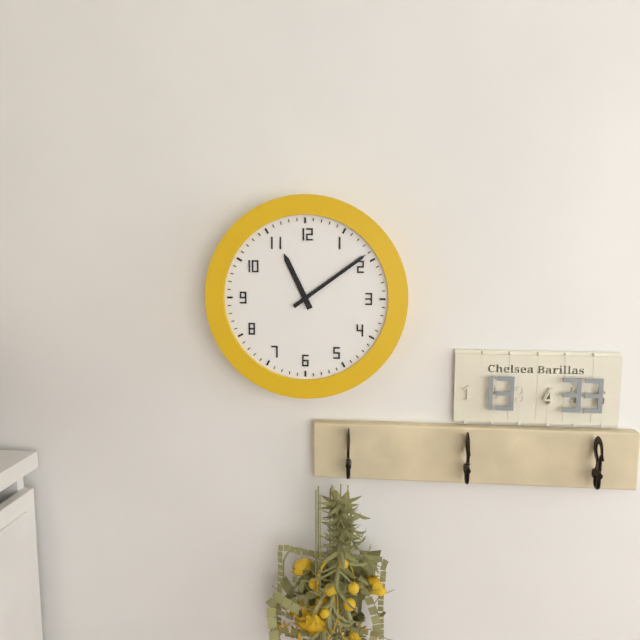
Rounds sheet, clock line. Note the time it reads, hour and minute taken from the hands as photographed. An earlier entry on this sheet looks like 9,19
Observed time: 11,09
